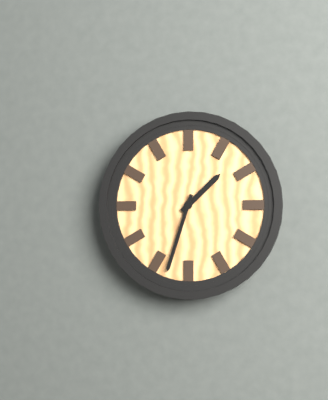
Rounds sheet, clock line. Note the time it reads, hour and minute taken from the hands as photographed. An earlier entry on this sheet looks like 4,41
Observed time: 1,33
